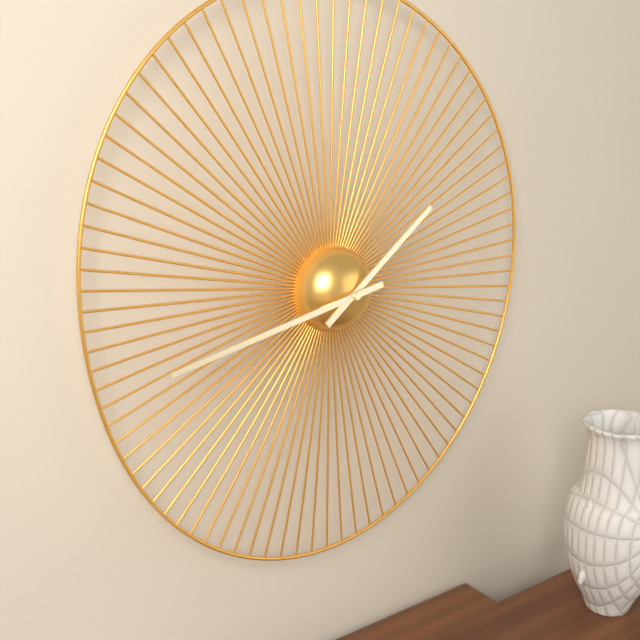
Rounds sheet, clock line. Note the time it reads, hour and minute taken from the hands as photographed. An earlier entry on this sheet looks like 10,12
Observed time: 1,43
